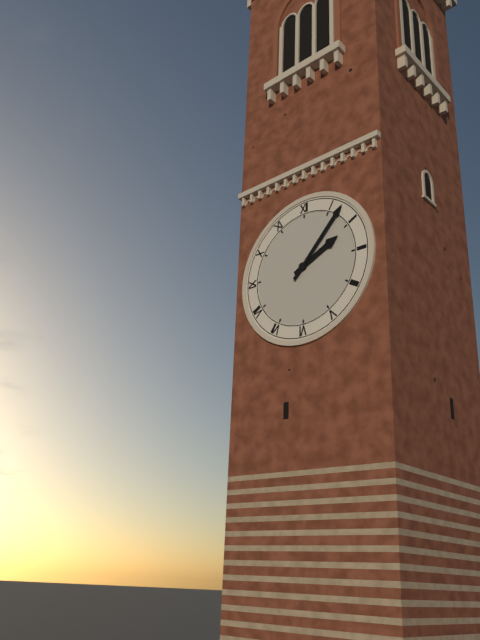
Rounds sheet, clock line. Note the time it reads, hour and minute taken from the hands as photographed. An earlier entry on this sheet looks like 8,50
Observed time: 2,07
